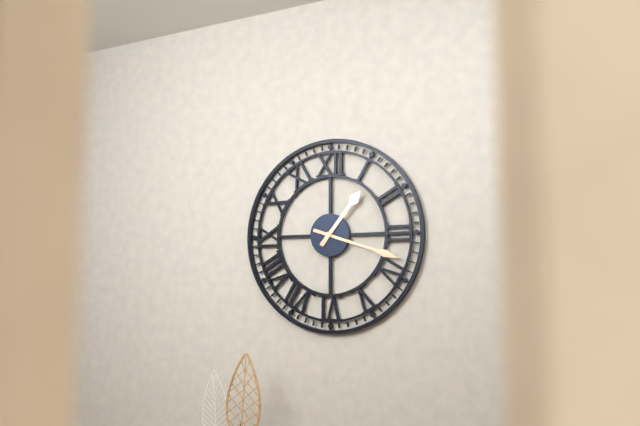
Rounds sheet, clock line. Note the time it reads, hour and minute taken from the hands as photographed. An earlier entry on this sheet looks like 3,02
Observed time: 1,18
